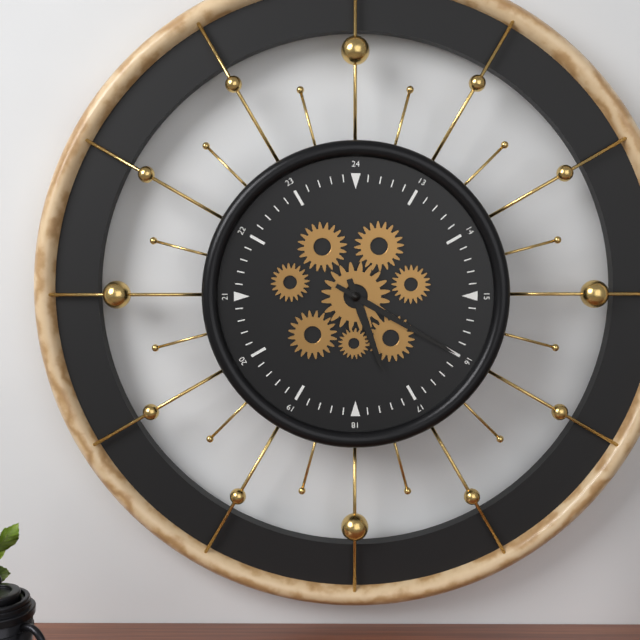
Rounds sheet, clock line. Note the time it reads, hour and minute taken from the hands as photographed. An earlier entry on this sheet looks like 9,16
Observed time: 5,20
